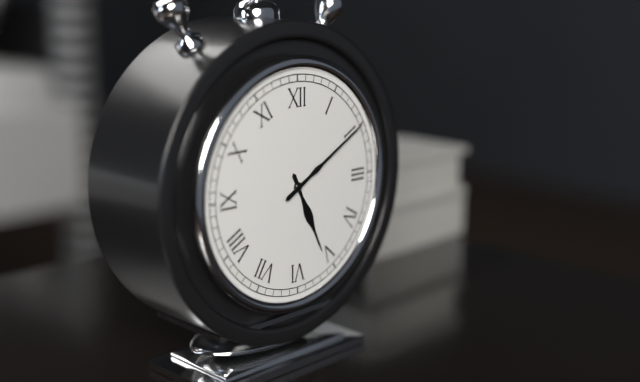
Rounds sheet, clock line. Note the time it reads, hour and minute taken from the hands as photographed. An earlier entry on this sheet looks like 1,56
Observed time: 5,10
